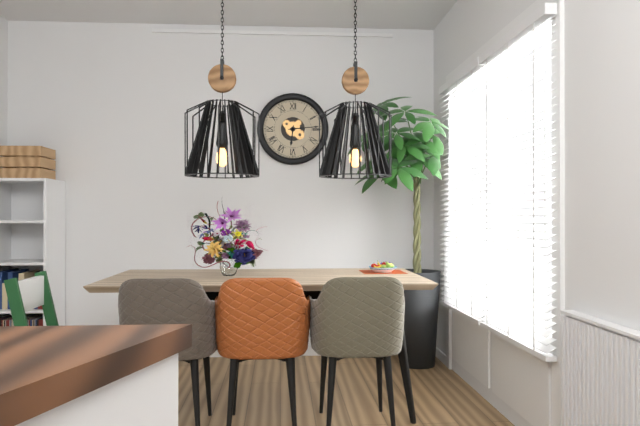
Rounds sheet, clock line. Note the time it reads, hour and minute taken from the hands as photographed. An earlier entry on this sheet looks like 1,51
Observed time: 6,14
